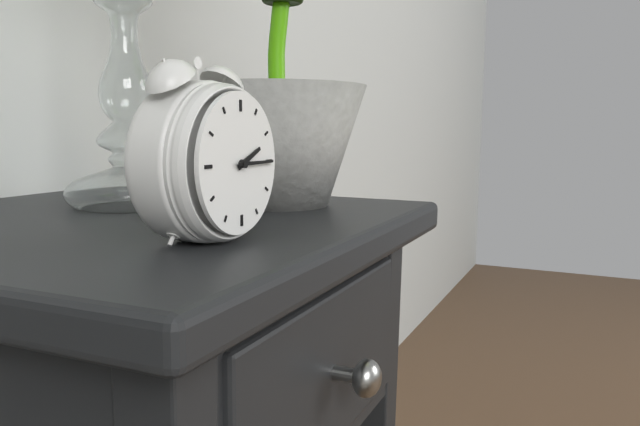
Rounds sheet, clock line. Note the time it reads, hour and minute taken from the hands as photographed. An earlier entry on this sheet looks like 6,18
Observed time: 2,15
